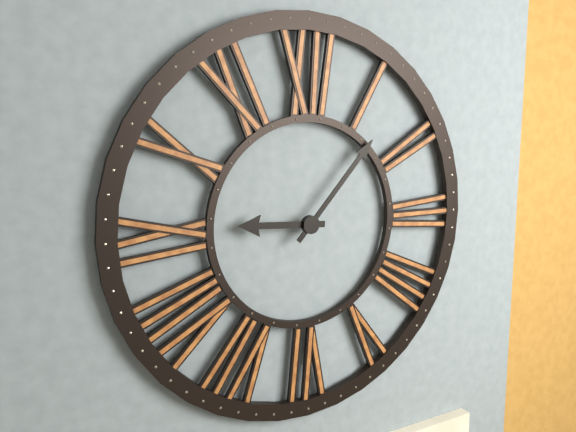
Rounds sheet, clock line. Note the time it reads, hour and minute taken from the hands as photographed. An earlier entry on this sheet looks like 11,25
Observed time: 9,07
